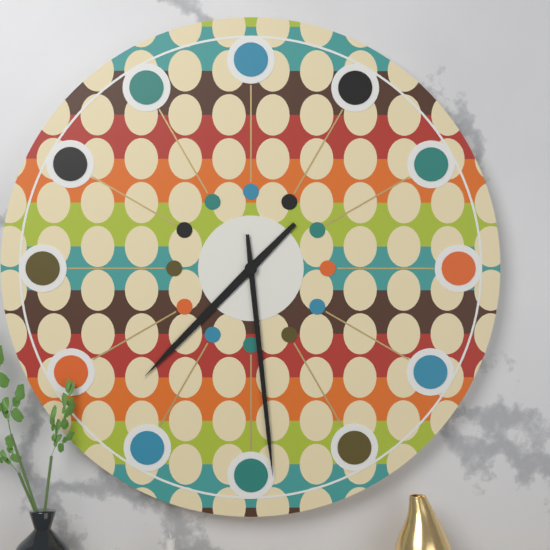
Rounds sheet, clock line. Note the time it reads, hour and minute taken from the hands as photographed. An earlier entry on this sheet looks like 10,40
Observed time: 7,29
